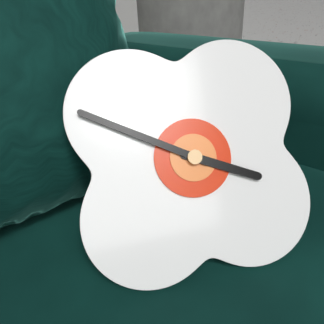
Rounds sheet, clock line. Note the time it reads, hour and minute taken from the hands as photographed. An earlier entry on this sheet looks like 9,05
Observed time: 3,50
